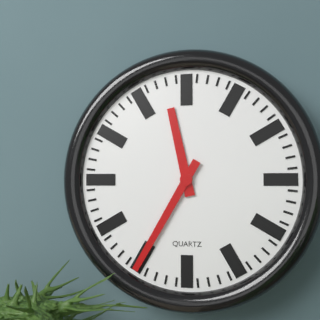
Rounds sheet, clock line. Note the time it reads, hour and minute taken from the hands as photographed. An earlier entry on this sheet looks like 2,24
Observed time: 11,35
